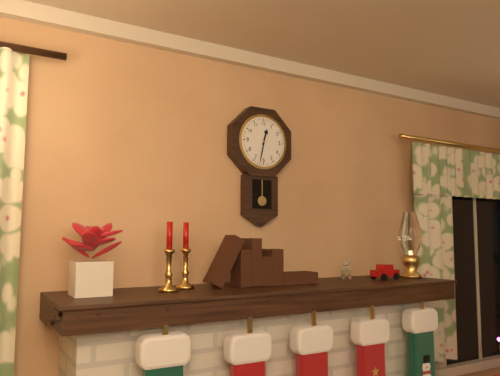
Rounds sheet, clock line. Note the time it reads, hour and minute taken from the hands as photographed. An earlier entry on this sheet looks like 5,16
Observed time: 12,32
